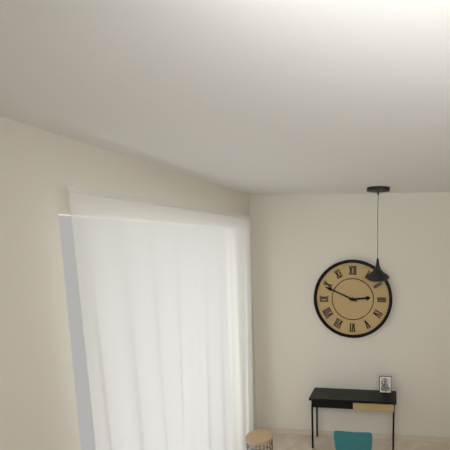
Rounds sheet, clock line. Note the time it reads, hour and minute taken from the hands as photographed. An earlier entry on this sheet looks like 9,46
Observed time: 2,49
